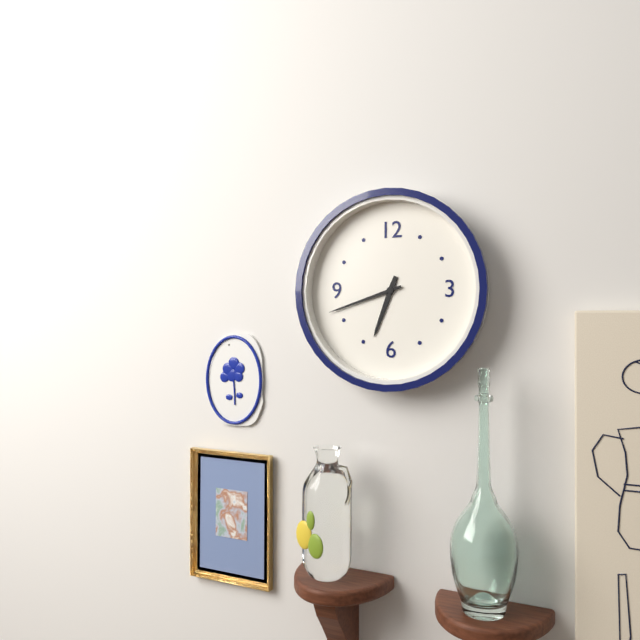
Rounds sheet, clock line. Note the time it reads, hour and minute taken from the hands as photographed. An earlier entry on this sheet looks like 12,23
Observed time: 6,42
